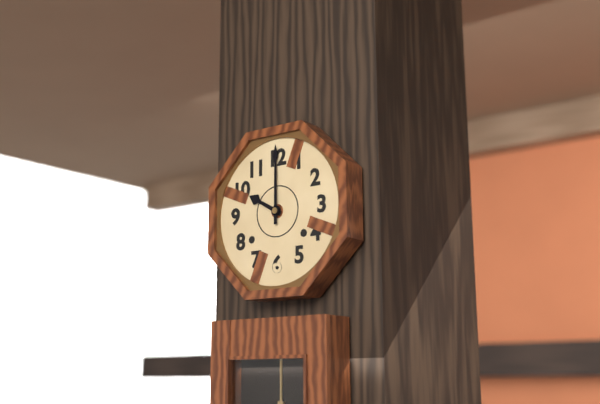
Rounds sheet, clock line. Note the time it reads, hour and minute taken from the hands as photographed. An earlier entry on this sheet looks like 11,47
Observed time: 10,00
